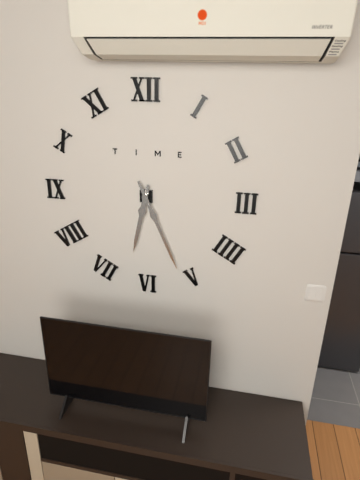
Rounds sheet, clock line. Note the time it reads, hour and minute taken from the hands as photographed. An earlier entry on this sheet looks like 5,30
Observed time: 6,26
